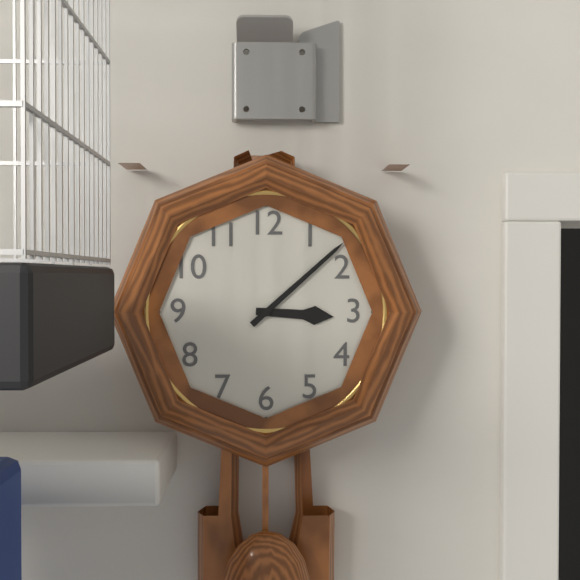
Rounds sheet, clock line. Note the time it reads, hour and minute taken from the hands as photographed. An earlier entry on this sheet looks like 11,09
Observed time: 3,08
